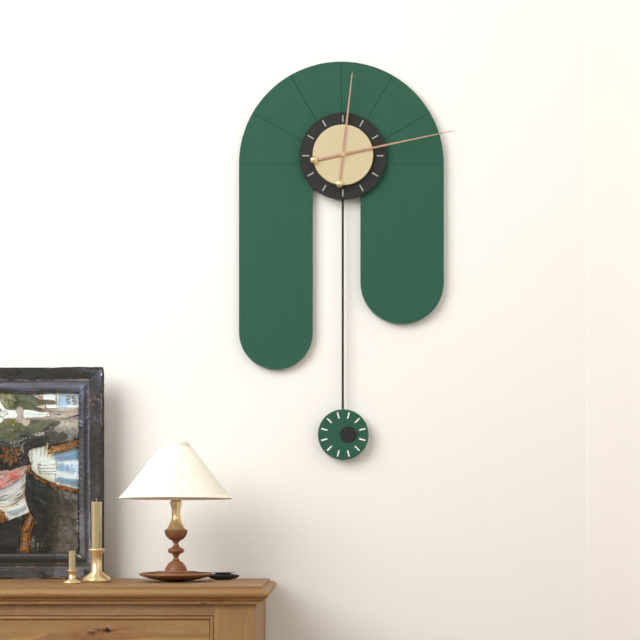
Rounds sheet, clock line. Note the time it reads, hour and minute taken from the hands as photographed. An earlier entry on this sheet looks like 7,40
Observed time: 12,13
